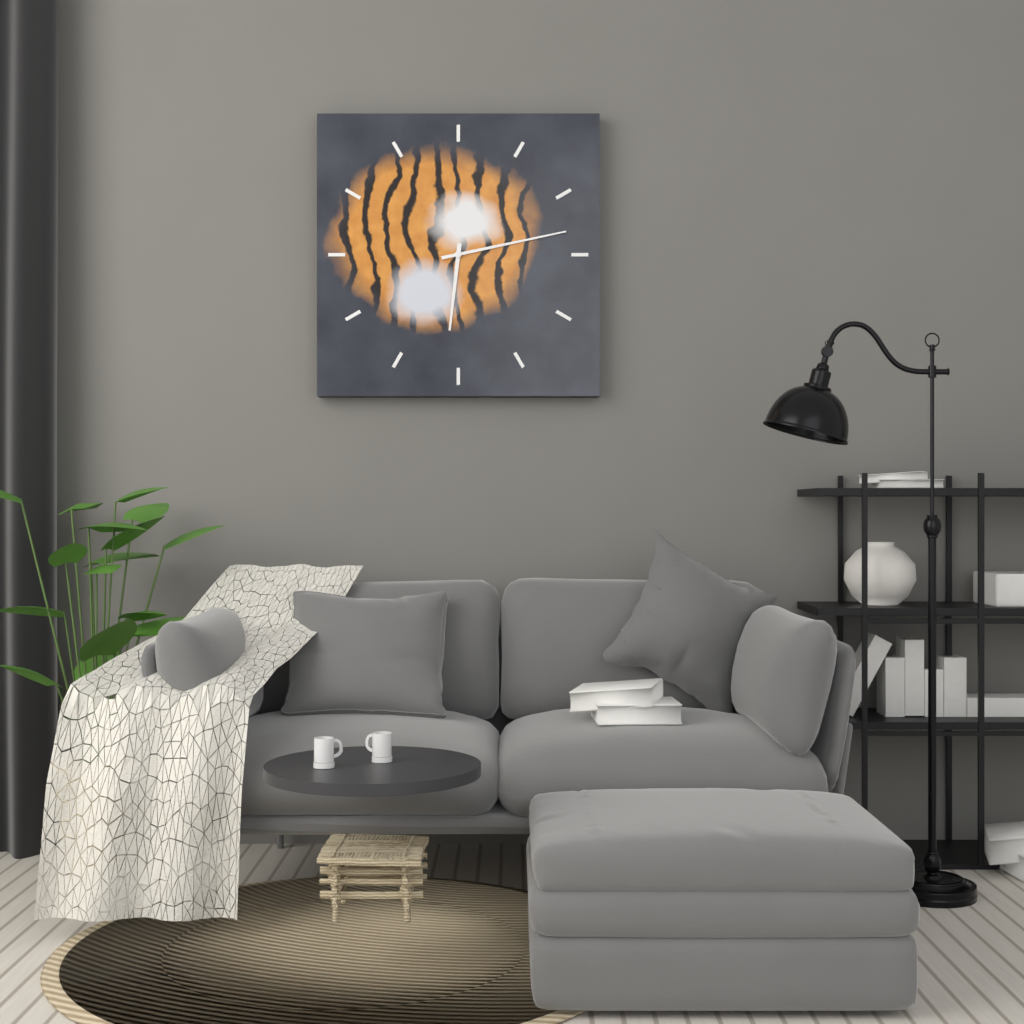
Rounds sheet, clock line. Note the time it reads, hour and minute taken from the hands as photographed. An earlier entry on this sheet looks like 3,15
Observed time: 6,13
